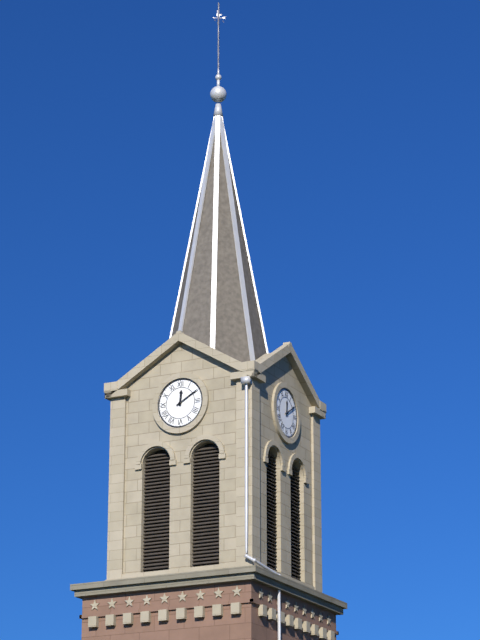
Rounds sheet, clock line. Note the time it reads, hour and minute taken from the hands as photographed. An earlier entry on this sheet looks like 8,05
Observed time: 12,10
